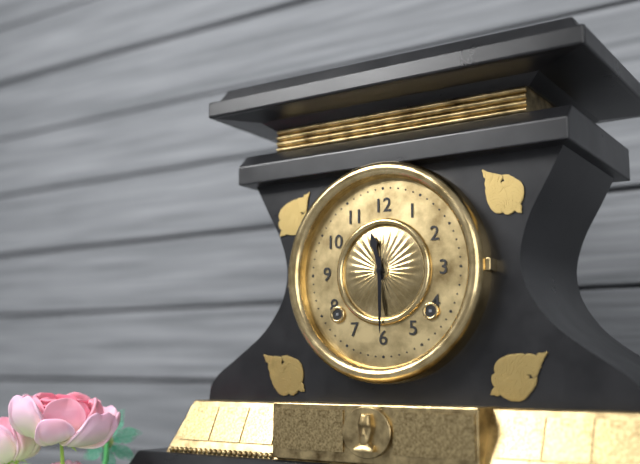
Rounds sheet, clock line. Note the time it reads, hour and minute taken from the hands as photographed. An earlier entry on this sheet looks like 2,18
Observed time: 11,30
